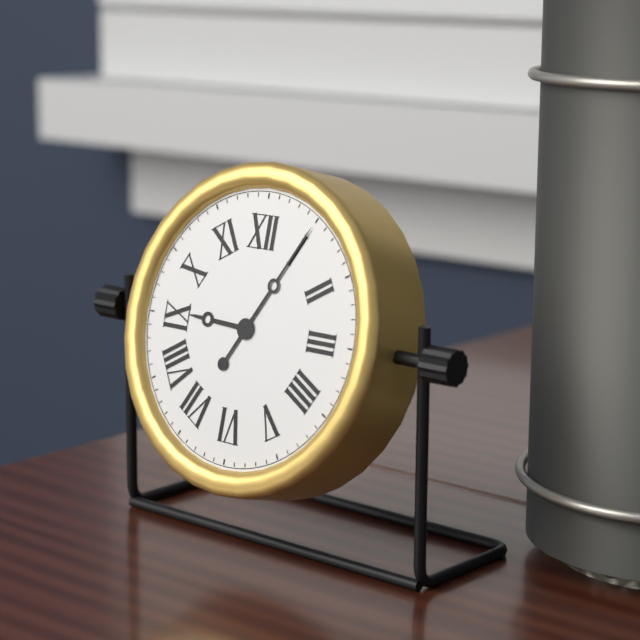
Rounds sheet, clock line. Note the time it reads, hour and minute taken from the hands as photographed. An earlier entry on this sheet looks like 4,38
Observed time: 9,05
